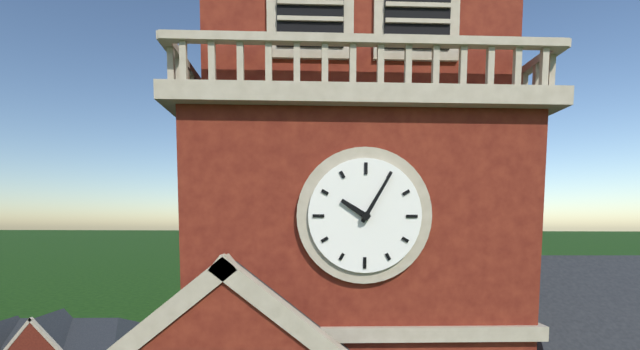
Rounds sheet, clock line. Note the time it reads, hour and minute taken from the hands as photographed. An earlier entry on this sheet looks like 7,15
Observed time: 10,05
